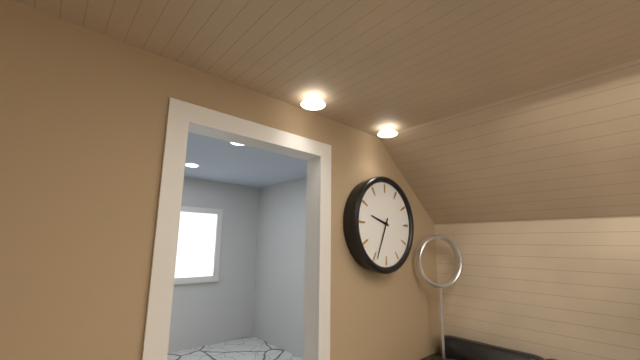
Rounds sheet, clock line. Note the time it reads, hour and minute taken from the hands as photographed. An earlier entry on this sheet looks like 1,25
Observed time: 9,34
